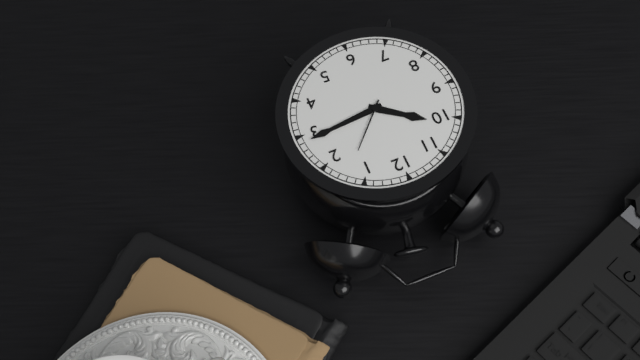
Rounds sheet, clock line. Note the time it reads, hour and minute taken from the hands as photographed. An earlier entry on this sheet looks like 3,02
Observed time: 10,14
